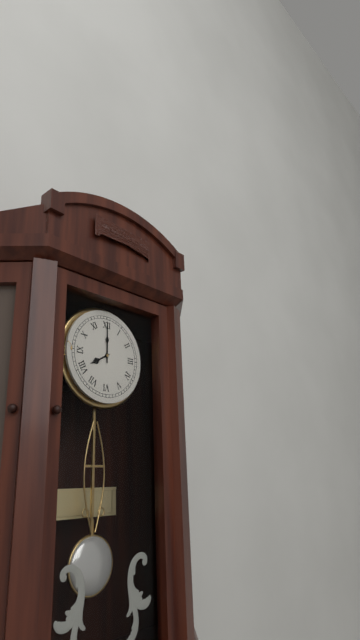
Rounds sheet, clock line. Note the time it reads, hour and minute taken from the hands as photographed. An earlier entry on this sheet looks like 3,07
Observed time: 8,00
